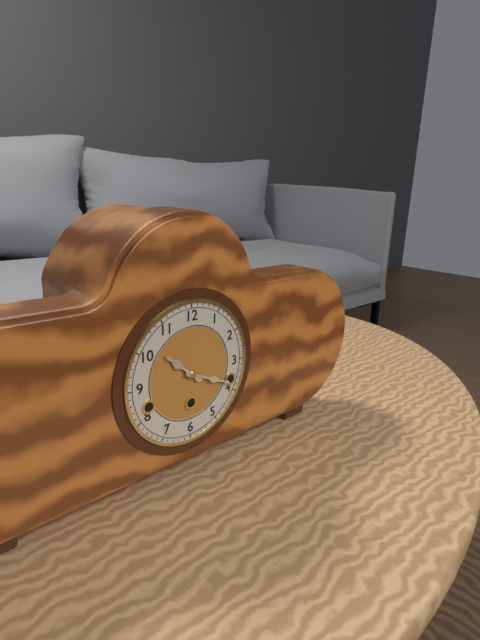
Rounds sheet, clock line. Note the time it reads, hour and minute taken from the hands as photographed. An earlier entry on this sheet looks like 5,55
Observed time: 10,19
